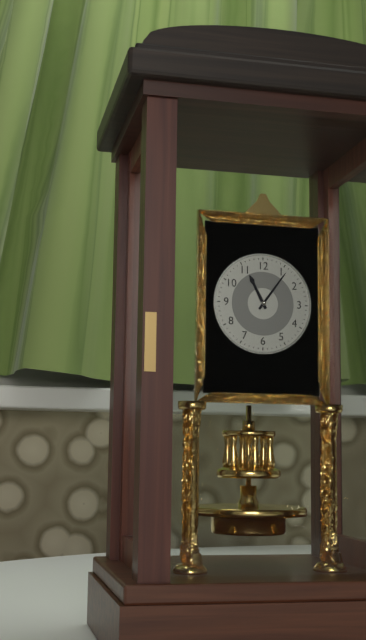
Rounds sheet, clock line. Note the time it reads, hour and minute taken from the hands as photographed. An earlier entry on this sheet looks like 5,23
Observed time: 11,06
